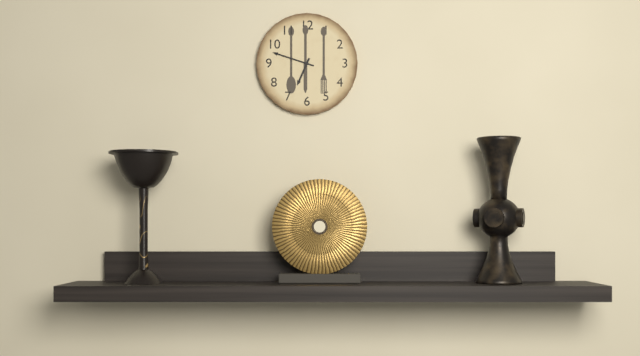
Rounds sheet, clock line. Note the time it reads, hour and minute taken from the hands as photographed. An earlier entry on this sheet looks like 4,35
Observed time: 6,48
